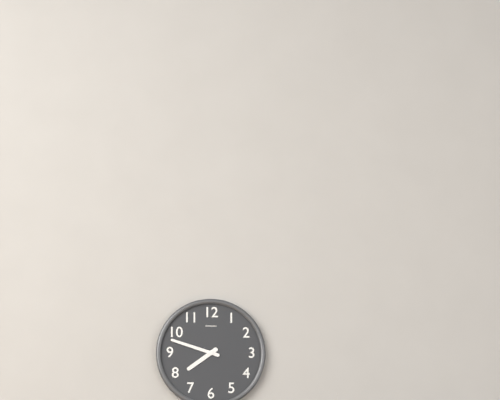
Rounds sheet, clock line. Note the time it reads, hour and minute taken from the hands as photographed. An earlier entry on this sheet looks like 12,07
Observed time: 7,48
